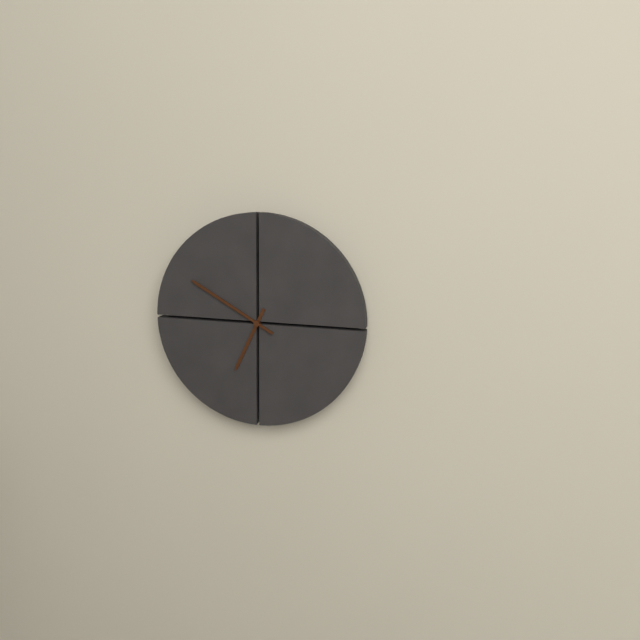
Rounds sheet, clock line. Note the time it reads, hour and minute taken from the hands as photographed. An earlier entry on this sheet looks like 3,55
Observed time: 6,50
